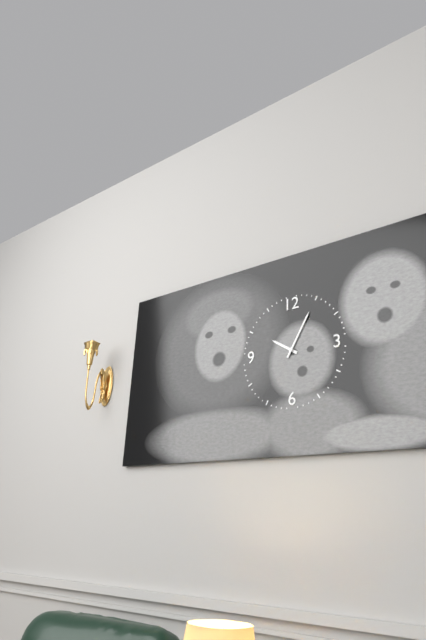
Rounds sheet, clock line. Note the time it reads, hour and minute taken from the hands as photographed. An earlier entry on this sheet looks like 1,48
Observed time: 10,05
